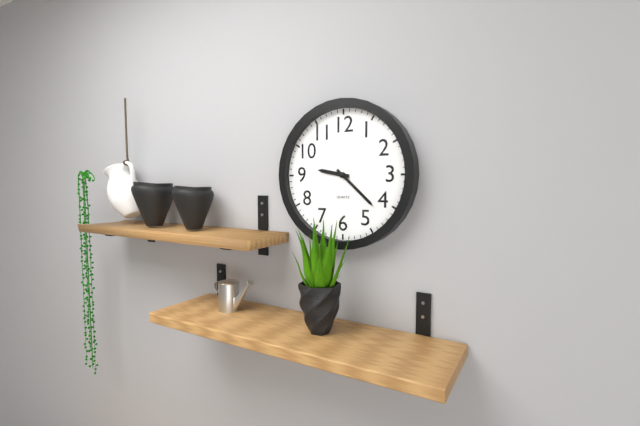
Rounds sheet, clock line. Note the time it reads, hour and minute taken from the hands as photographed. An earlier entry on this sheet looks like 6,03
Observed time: 9,22
